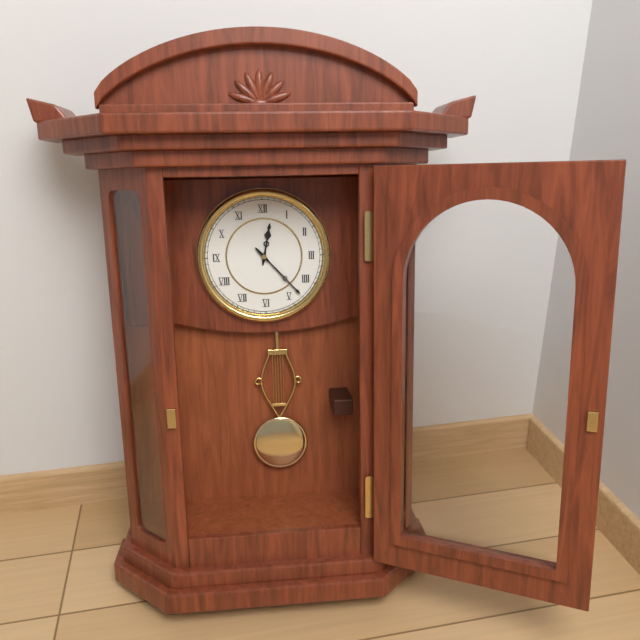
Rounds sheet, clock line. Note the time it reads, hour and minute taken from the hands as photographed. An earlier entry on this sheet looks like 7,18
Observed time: 12,23
